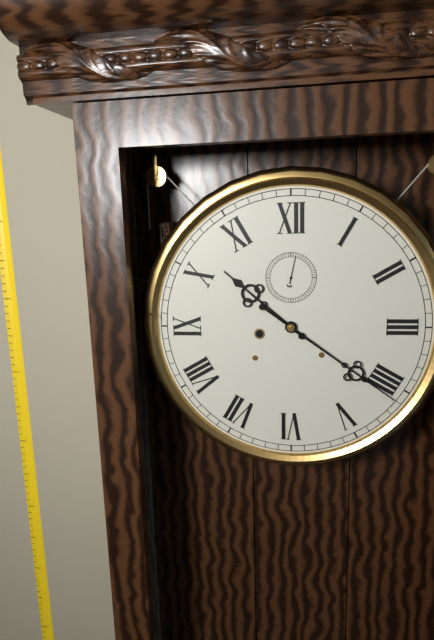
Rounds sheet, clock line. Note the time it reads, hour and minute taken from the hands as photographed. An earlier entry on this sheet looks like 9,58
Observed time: 10,21
